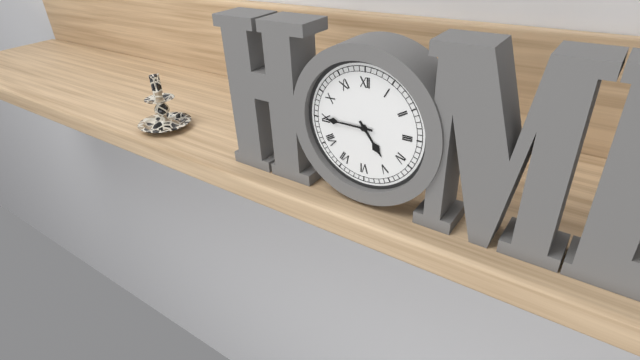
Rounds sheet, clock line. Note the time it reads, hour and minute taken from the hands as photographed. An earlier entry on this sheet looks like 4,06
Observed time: 4,45
